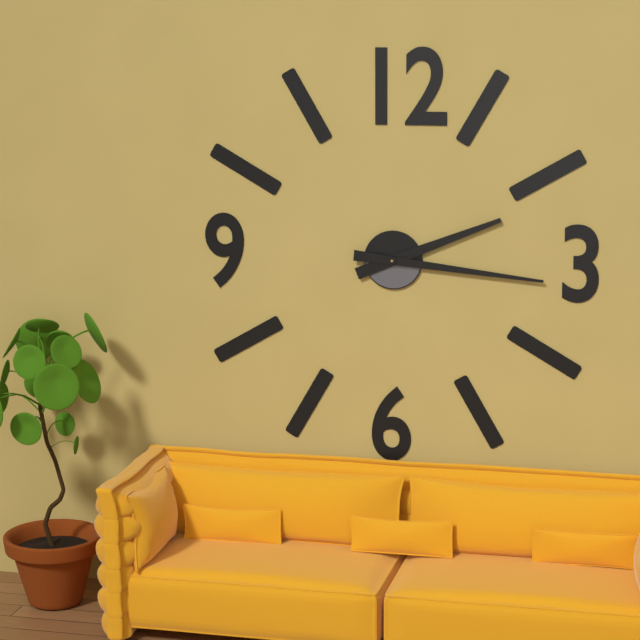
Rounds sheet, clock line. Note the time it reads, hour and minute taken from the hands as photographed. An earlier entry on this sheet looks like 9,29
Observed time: 2,16
